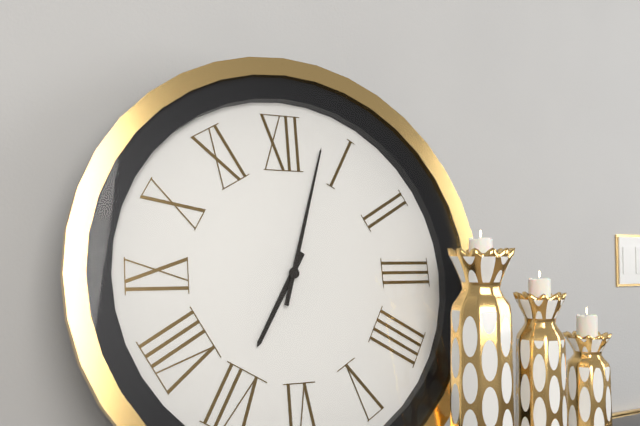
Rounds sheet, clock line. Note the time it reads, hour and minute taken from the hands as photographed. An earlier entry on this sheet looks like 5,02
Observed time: 7,03
